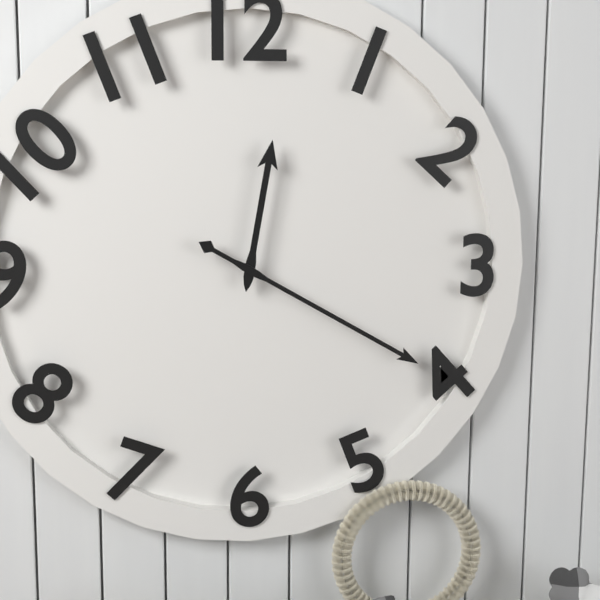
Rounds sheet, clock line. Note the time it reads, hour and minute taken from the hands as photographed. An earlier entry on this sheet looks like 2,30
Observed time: 12,20
